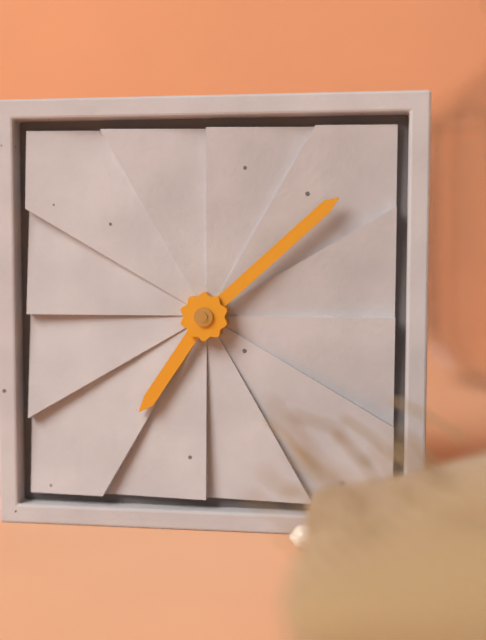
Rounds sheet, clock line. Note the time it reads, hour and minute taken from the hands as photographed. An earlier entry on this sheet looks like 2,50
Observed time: 7,08
